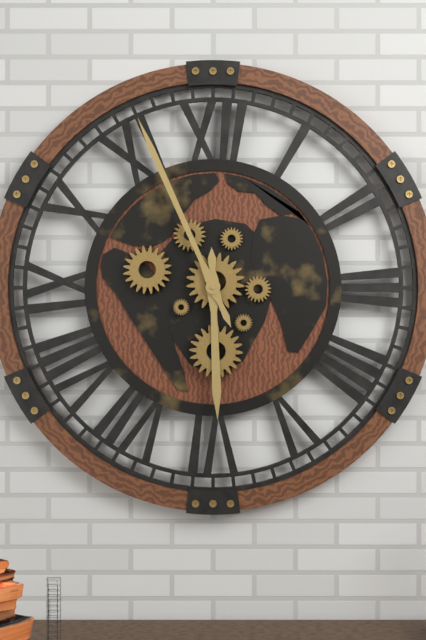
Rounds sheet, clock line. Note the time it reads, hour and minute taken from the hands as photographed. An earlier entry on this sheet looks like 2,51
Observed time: 5,56
